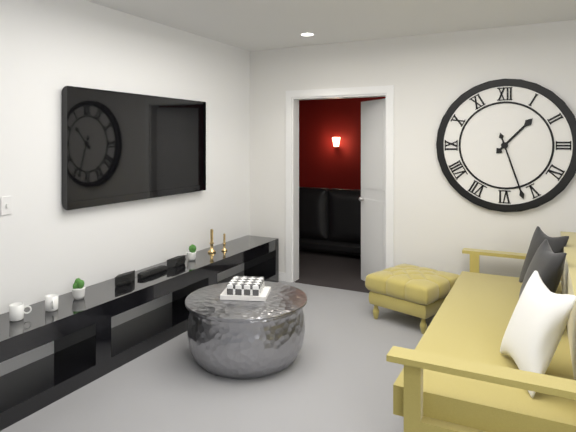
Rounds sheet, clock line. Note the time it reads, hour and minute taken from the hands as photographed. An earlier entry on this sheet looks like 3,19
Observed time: 1,27
